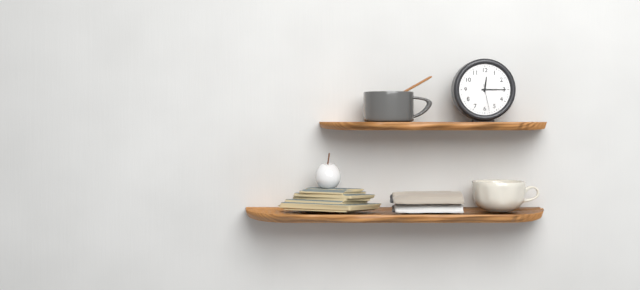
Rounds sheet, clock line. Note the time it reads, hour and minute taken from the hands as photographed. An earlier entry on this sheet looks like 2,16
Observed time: 12,15
